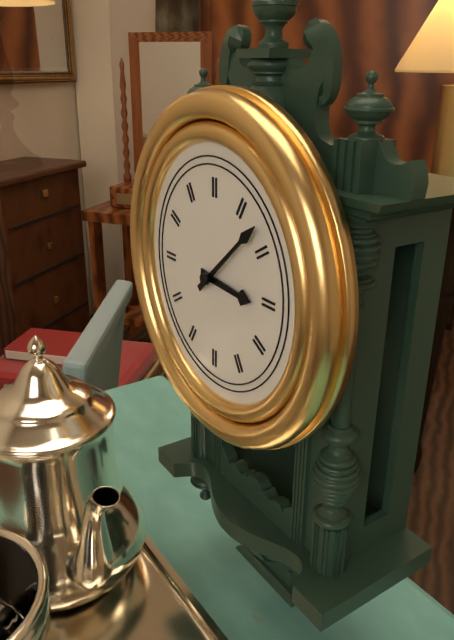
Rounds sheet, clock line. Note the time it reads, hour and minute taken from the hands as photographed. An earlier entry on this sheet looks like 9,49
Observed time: 3,08
